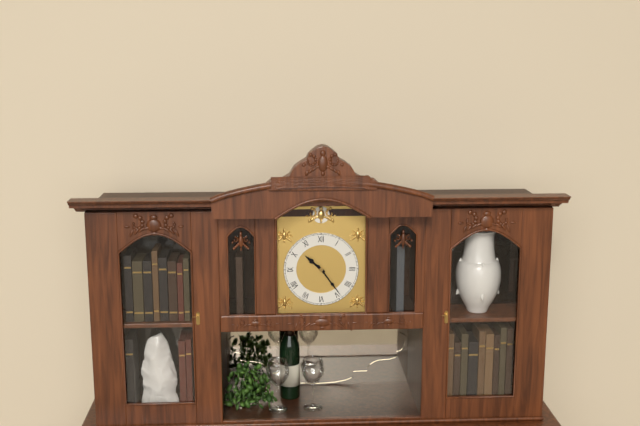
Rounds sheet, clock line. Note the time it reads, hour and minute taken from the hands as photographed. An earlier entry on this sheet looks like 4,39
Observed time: 10,24
